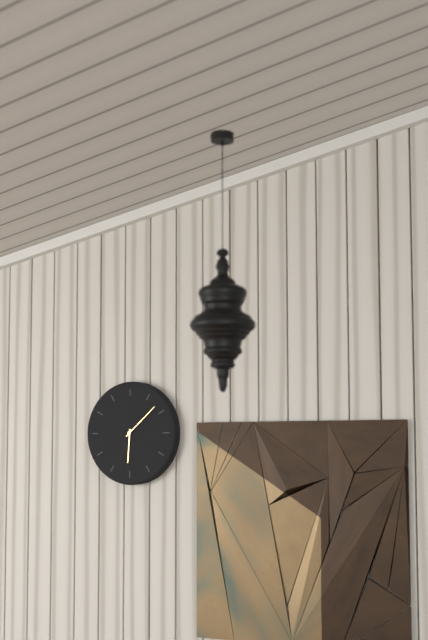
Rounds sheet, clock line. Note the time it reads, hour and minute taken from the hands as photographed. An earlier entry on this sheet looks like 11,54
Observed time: 6,08
